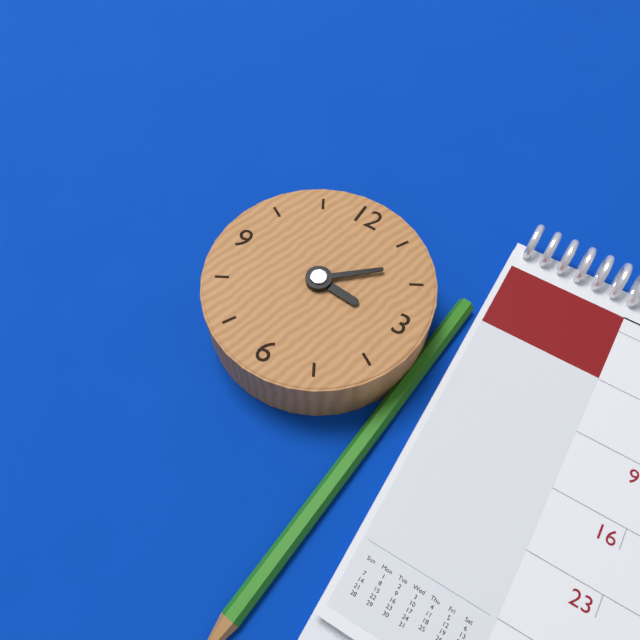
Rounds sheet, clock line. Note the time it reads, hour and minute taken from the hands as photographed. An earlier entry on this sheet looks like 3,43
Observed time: 3,08
